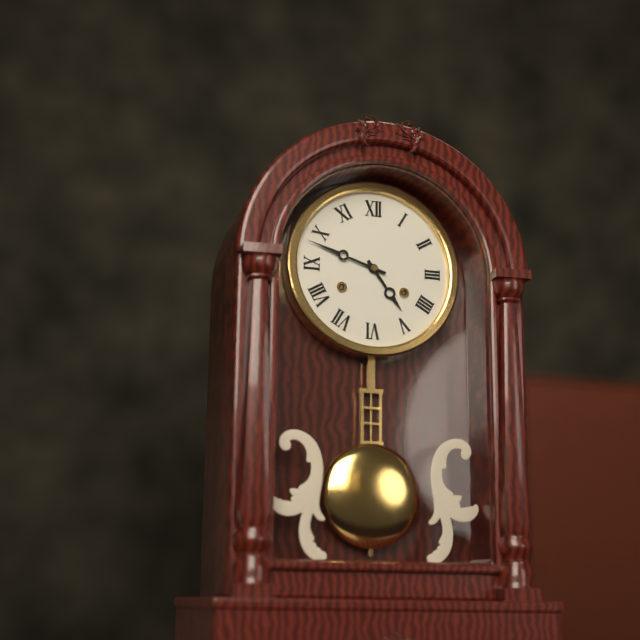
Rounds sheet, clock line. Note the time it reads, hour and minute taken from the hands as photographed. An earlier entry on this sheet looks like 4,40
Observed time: 4,48
